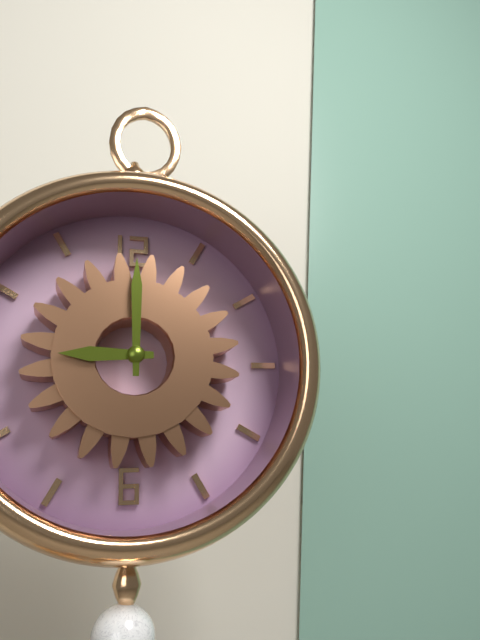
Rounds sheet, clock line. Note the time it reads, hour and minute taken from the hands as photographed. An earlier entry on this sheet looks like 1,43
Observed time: 9,00
